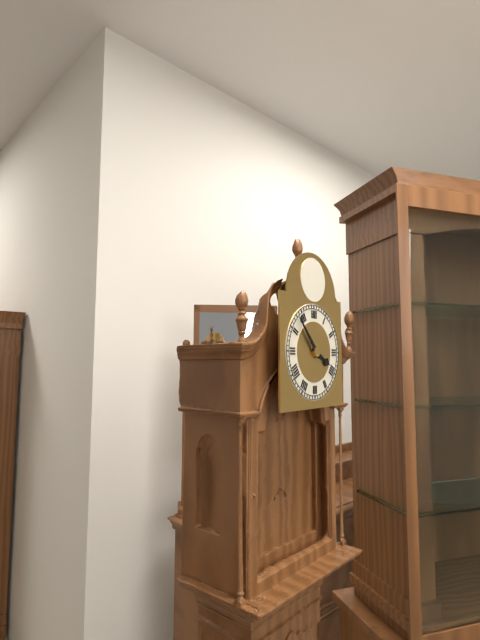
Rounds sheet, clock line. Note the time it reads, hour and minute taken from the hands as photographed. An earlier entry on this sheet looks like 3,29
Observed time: 3,53
